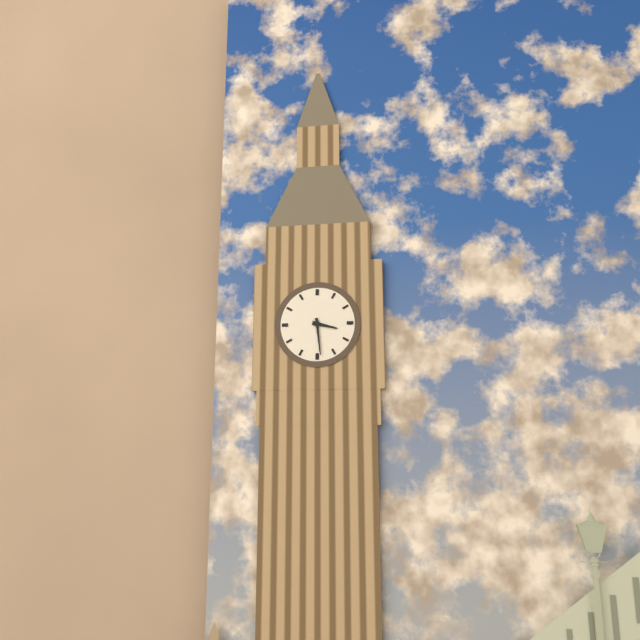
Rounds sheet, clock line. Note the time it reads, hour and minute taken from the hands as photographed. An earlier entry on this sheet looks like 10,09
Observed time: 3,29
